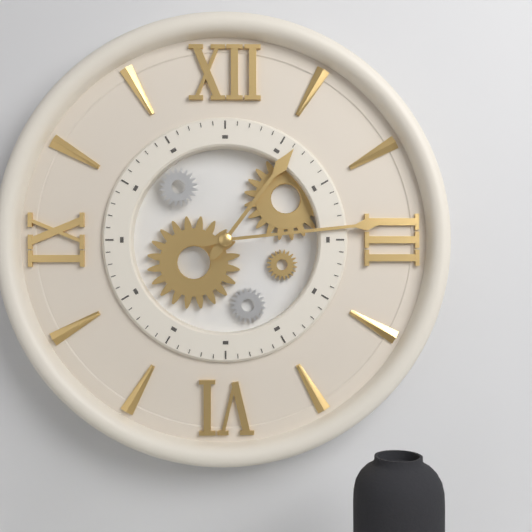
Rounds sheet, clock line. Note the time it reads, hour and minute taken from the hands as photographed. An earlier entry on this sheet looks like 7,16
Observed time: 1,14
